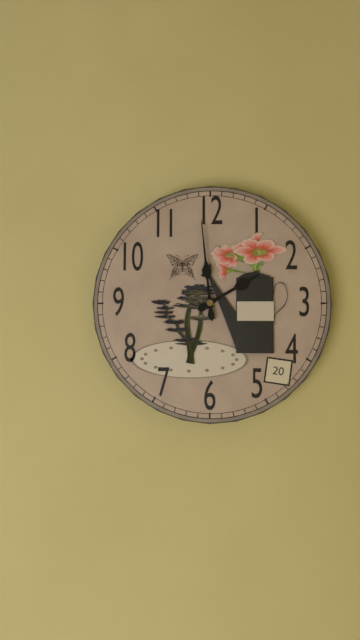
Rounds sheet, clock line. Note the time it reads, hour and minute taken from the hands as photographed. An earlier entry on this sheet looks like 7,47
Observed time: 1,59
